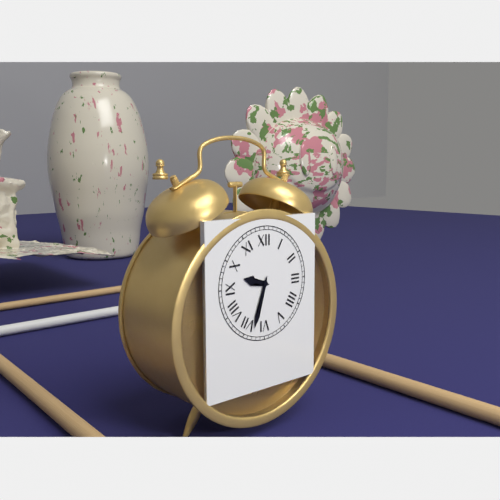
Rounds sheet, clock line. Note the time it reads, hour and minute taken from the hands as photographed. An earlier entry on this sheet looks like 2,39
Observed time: 9,33
